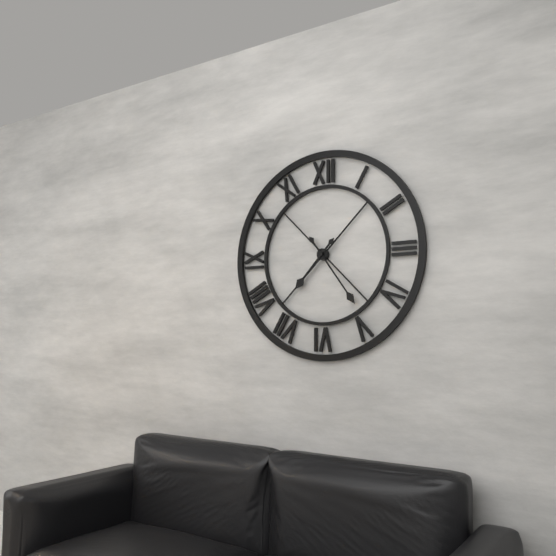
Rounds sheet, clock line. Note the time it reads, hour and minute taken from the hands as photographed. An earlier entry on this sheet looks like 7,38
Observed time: 7,24
